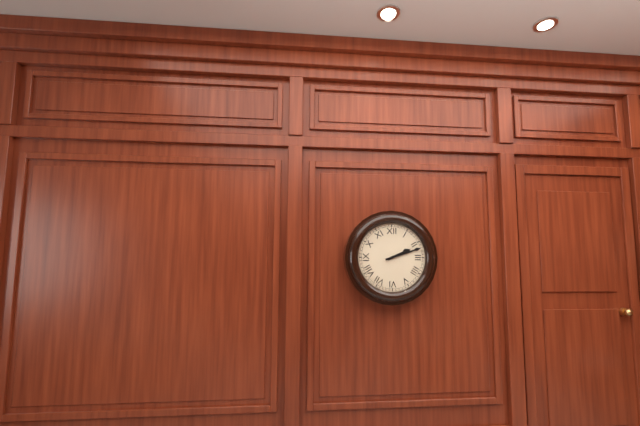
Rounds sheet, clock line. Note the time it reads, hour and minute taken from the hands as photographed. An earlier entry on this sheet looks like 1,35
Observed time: 2,12
